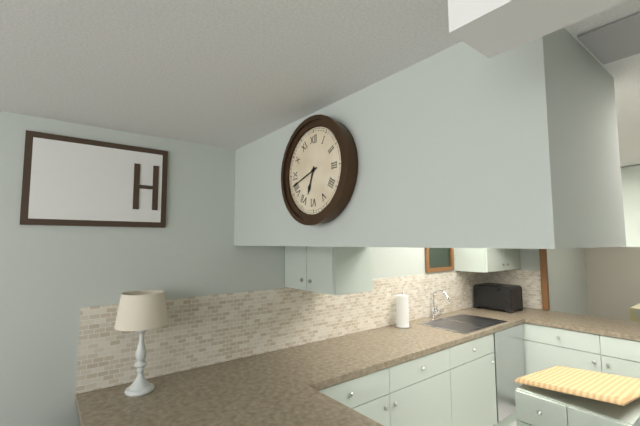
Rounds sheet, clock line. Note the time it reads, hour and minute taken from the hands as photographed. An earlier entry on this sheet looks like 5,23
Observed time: 6,42
